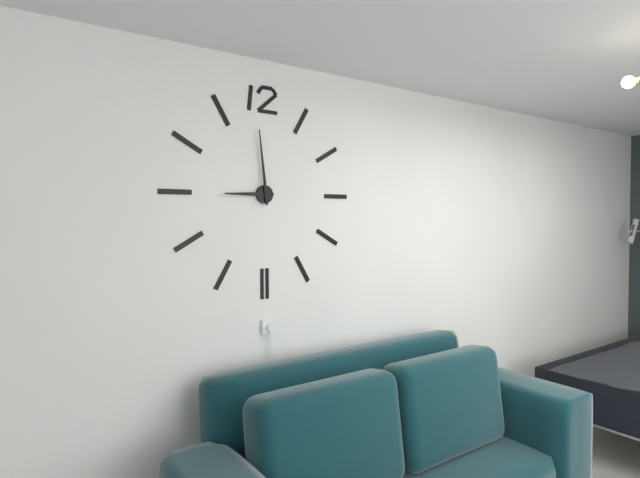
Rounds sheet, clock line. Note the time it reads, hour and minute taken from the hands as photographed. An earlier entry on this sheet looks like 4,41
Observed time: 8,59
